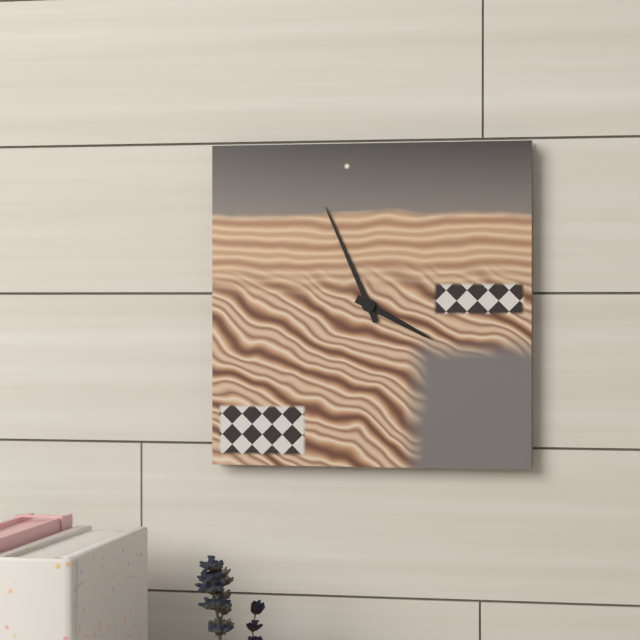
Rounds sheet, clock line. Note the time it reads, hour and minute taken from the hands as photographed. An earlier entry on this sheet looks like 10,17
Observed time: 3,56
